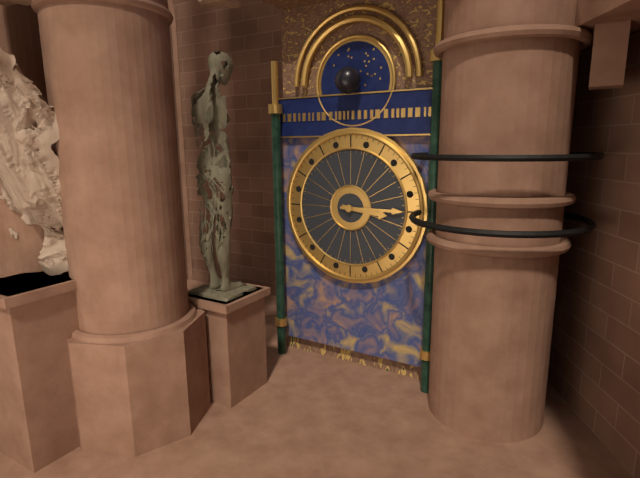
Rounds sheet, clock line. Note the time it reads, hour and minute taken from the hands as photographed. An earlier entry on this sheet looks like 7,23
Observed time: 3,15
